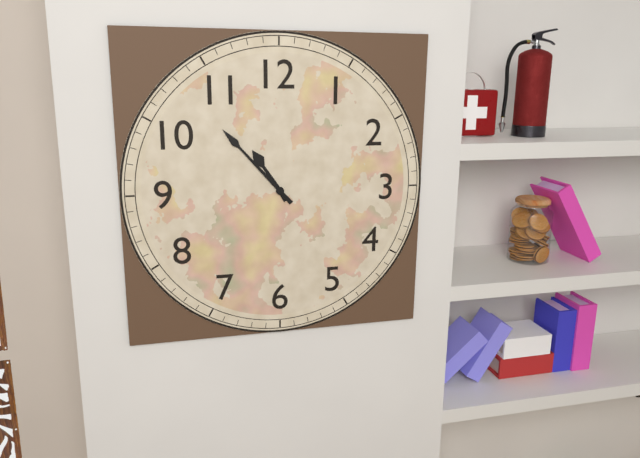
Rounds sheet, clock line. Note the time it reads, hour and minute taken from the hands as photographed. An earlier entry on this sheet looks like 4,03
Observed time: 10,53
